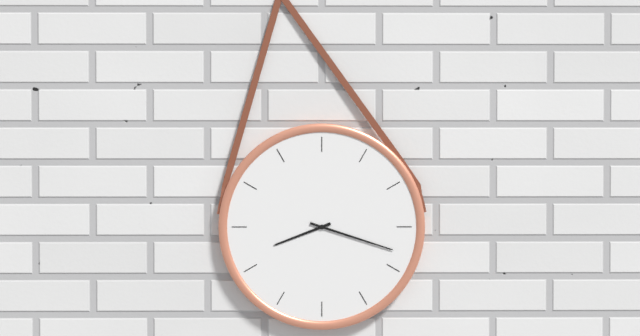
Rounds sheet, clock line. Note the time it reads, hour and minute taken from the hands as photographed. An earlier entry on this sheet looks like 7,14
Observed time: 8,18
